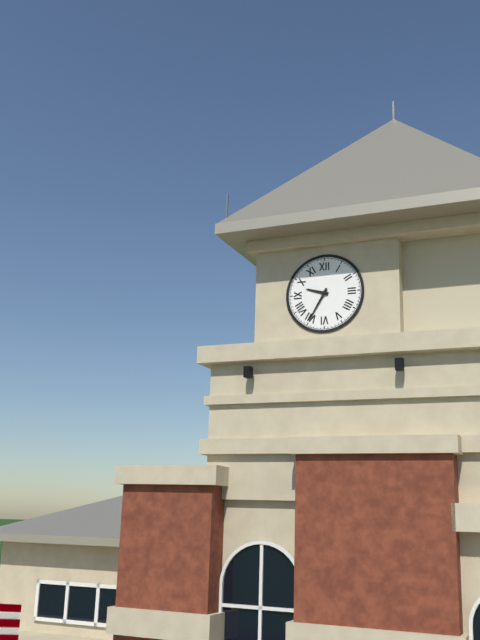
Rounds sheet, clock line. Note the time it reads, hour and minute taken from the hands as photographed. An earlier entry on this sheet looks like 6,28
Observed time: 9,35
